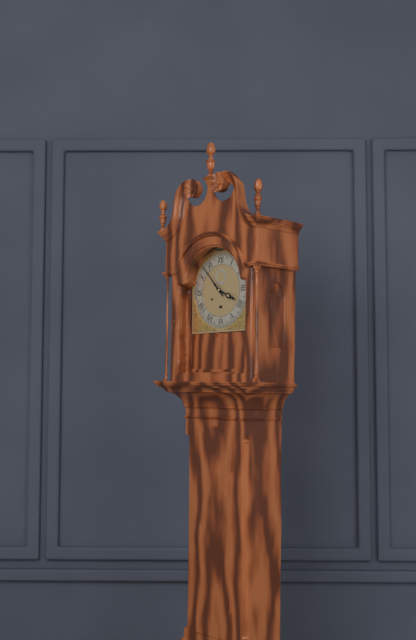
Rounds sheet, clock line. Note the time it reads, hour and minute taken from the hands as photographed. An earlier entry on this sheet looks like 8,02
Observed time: 3,53
